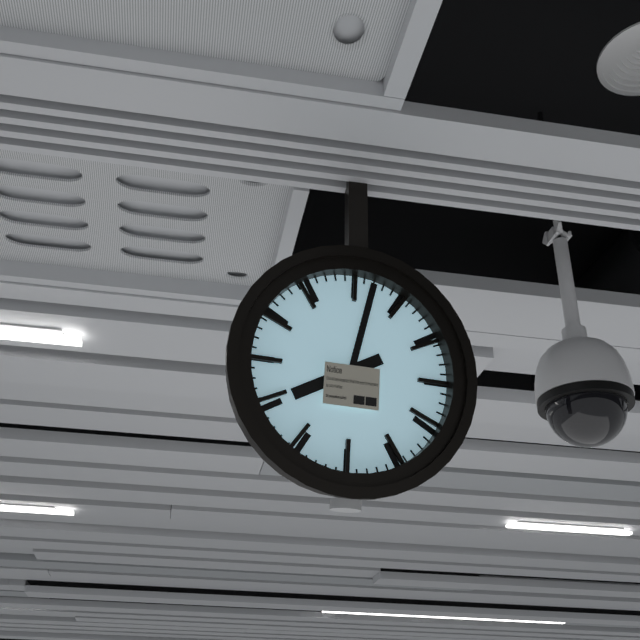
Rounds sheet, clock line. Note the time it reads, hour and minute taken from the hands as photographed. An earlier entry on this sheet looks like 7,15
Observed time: 8,02
